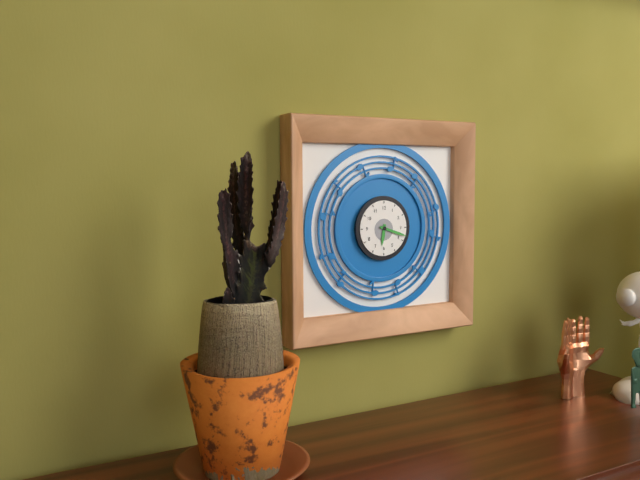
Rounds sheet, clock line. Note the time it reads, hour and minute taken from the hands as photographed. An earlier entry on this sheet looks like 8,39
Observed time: 6,18
